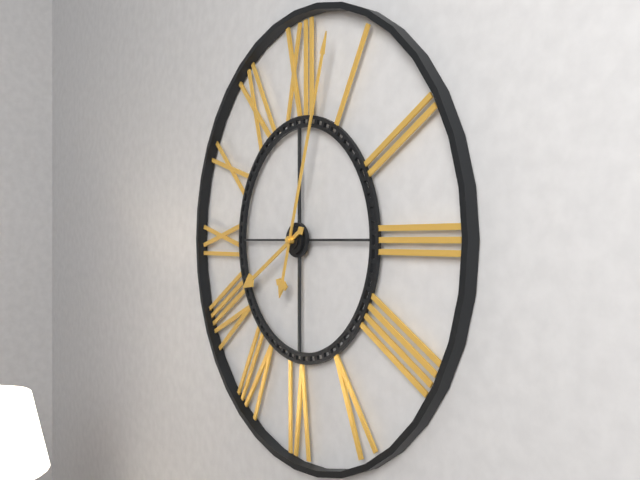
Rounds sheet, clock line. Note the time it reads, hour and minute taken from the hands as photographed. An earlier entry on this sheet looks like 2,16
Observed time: 8,03
